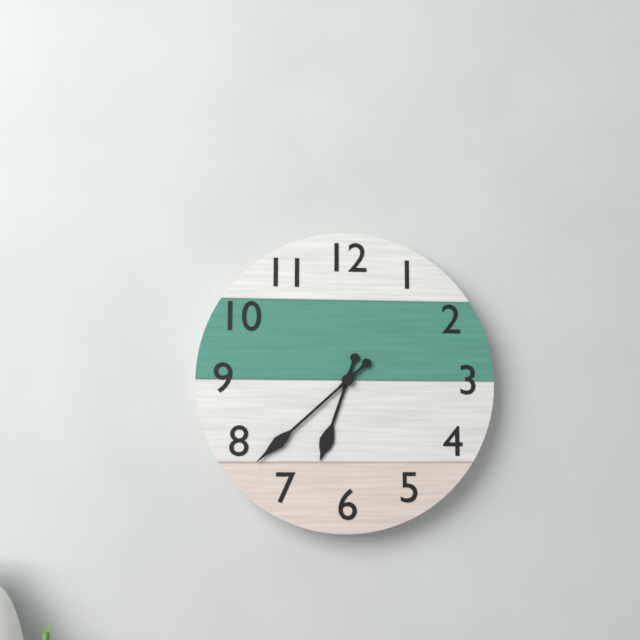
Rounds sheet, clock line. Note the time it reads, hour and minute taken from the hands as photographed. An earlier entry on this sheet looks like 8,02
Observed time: 6,38
